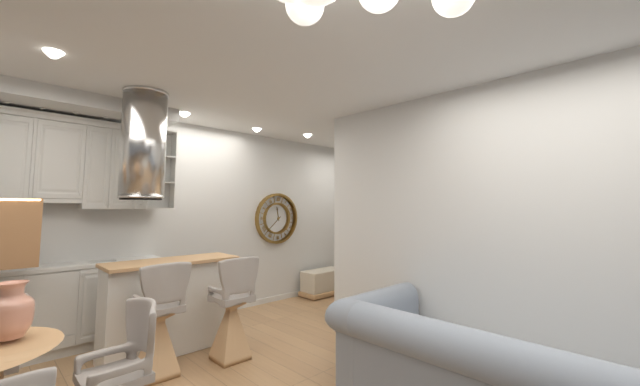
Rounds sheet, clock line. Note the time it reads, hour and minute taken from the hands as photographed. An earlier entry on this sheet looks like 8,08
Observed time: 11,38
